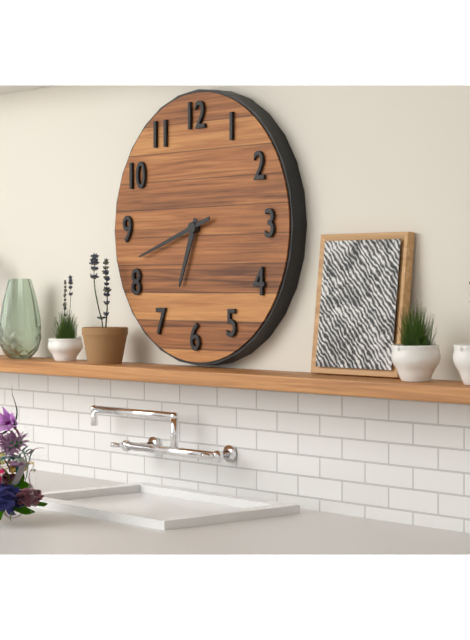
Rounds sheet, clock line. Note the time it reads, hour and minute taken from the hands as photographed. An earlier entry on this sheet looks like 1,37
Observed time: 6,42
